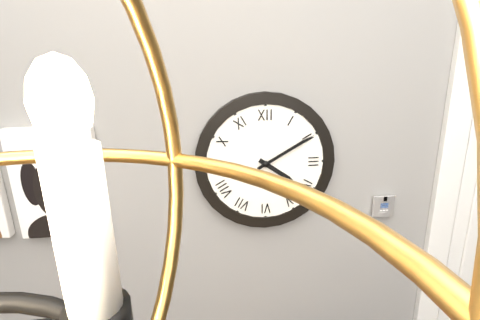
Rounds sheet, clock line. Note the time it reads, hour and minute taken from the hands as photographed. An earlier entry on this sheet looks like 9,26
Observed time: 4,10
